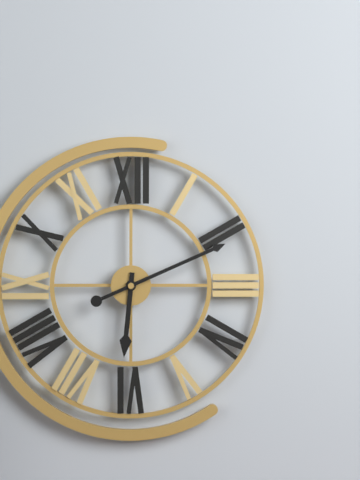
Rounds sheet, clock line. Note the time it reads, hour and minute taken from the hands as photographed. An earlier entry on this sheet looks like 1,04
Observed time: 6,11
